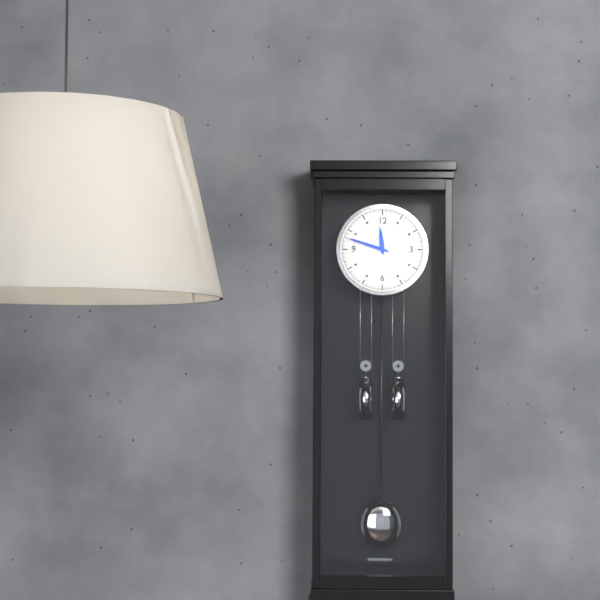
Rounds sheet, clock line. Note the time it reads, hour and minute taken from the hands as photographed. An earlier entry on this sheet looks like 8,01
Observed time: 11,48
